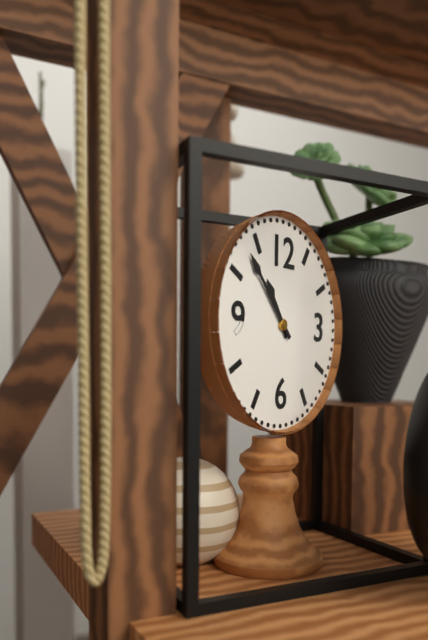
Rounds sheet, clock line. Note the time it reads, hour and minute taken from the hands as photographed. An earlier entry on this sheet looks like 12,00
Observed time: 10,53
